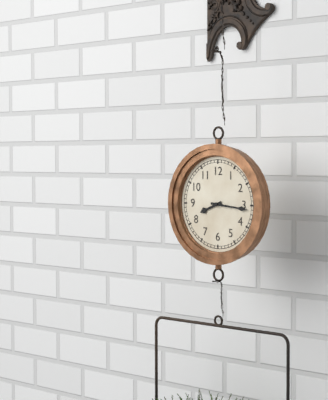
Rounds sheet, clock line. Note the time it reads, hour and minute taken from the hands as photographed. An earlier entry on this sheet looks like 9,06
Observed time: 8,16
